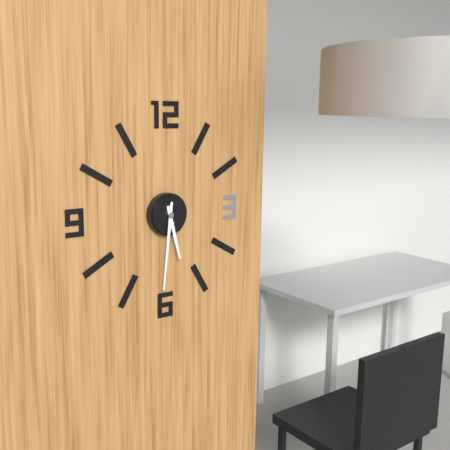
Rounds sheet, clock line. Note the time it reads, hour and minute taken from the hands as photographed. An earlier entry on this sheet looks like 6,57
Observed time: 5,31
